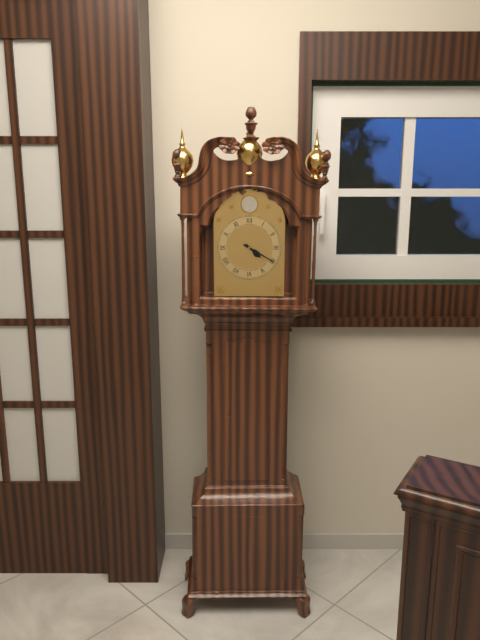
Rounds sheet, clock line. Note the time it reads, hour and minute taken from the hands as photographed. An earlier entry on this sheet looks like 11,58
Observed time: 4,20
